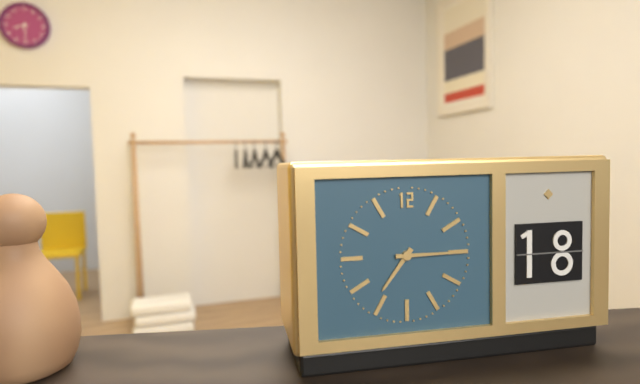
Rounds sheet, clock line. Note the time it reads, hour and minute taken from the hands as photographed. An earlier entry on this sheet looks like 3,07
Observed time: 7,15
